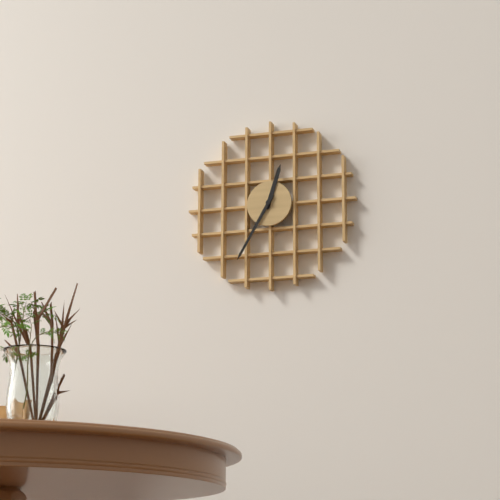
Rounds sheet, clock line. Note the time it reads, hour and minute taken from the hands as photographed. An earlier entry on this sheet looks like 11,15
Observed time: 12,35
